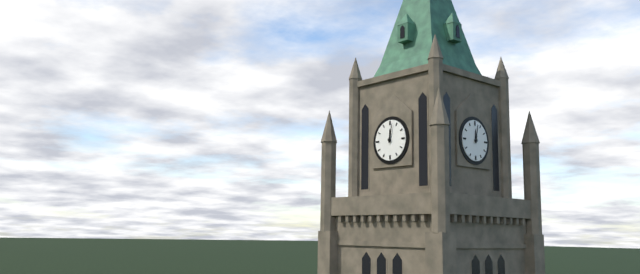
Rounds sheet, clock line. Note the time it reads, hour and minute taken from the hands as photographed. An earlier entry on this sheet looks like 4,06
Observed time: 12,02
